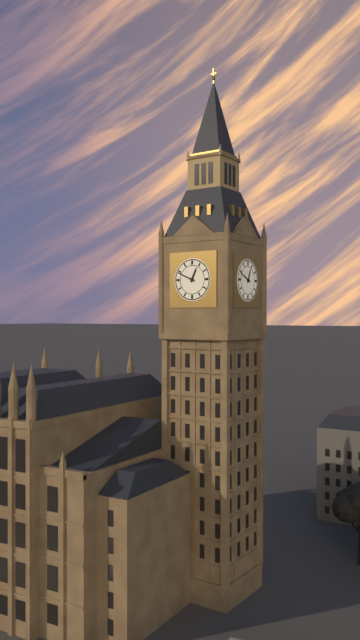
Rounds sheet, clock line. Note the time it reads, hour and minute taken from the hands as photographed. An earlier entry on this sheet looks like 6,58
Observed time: 12,49
